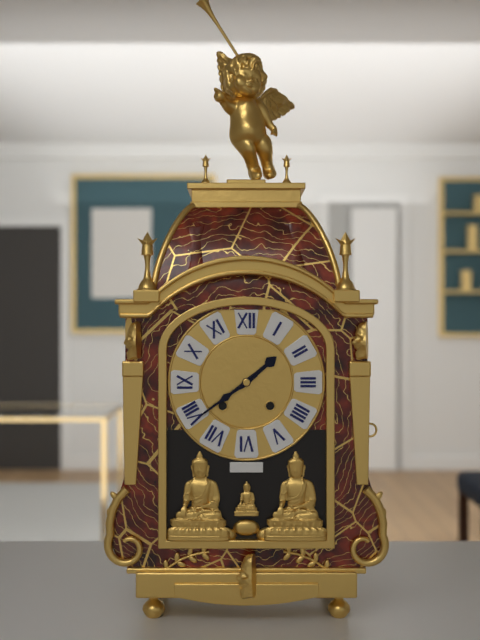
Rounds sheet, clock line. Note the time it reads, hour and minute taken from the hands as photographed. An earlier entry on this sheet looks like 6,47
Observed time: 1,39
